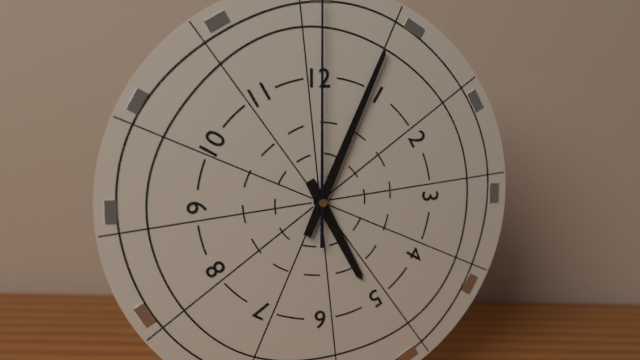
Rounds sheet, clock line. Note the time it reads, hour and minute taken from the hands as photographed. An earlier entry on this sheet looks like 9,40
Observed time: 5,04
